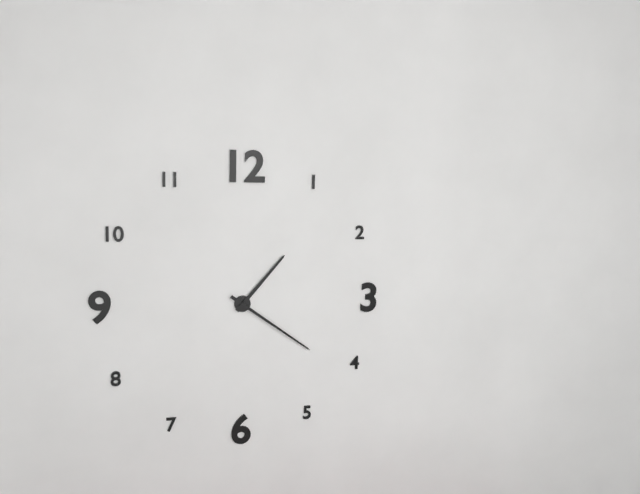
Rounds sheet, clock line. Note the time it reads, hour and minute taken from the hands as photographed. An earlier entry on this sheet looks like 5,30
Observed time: 1,21
